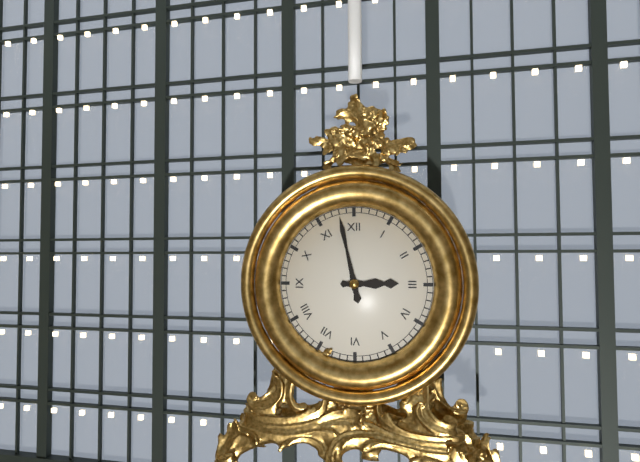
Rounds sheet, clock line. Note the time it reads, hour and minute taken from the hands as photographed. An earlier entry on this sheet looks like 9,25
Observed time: 2,58
